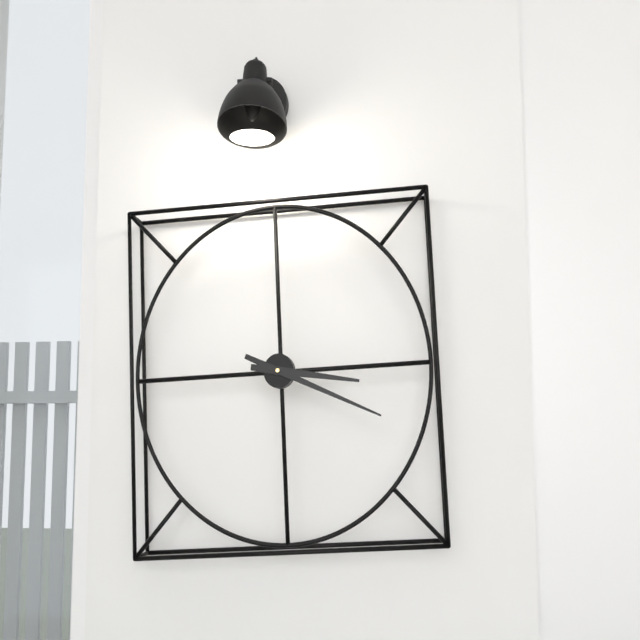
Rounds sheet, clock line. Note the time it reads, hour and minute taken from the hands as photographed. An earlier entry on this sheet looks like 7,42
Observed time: 3,19
